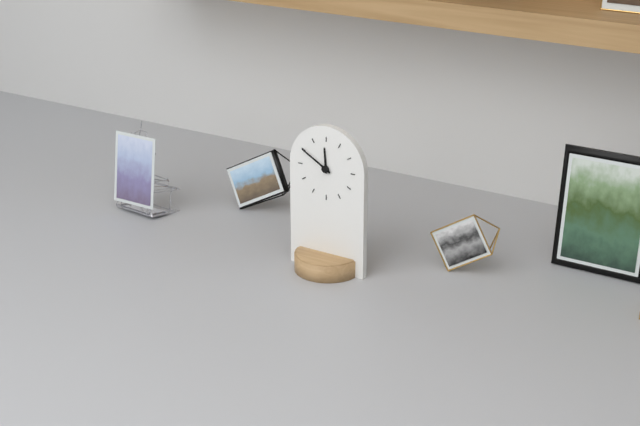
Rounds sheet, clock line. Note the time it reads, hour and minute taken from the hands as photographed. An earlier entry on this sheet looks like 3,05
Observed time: 11,50
